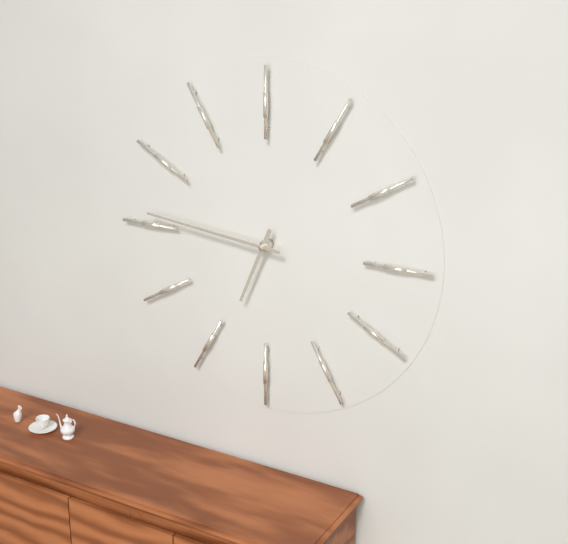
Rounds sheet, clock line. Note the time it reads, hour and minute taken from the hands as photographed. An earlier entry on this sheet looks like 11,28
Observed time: 6,46
